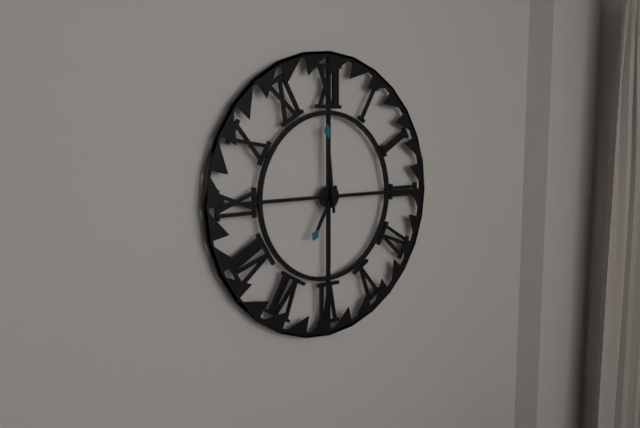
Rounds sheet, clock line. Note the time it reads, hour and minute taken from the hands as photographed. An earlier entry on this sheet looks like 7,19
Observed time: 6,59
